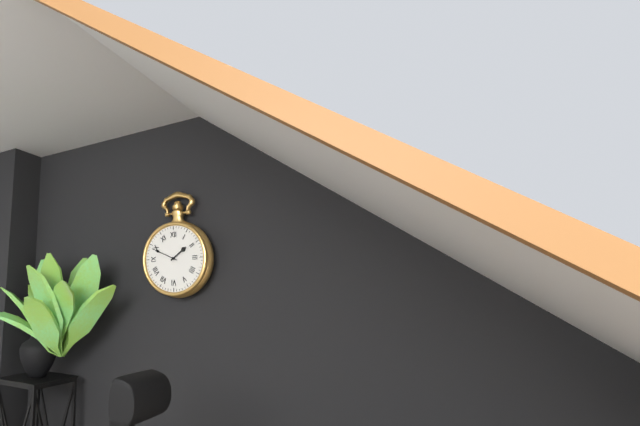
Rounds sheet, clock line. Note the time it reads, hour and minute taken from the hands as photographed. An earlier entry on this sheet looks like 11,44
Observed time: 1,49
